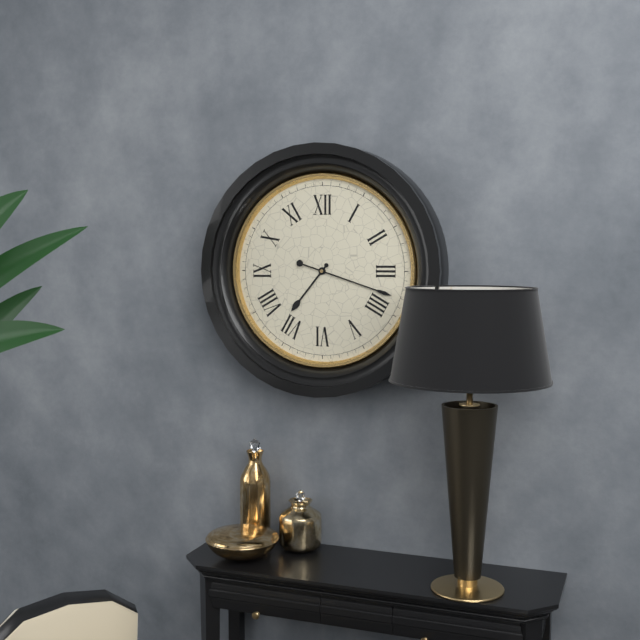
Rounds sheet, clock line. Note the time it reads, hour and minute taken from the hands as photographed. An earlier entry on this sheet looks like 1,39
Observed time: 7,18
